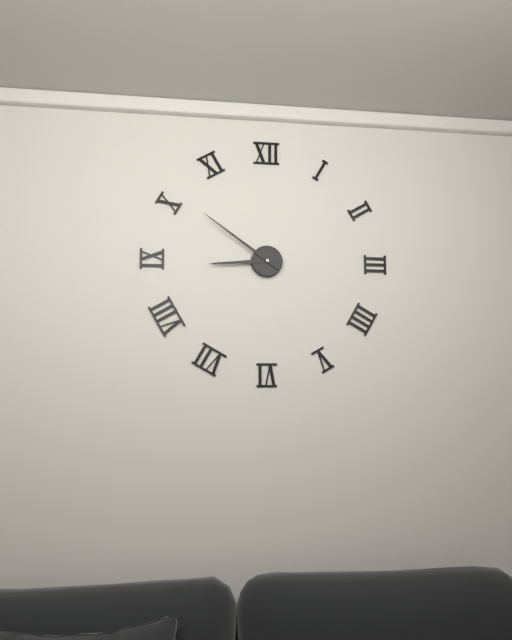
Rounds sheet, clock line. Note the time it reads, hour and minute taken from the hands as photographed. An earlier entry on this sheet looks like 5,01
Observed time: 8,51
